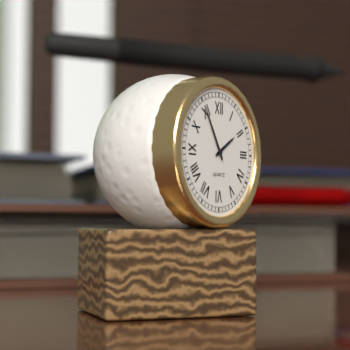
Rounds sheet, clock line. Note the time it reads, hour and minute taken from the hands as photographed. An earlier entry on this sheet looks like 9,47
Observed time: 1,55
